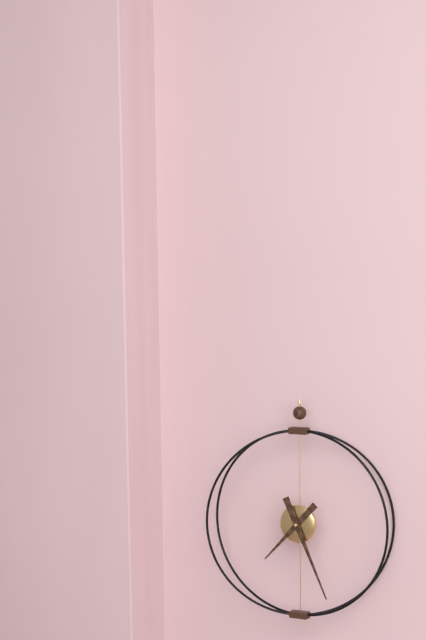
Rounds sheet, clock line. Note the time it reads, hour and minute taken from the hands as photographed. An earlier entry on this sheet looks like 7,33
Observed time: 7,26
